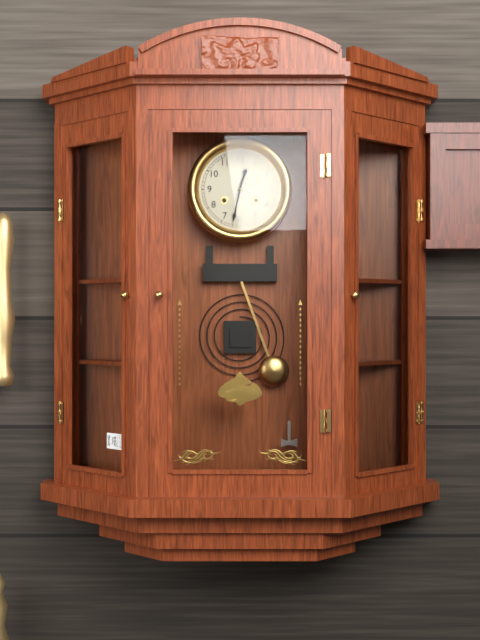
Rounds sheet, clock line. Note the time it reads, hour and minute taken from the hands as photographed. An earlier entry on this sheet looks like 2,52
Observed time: 12,32
